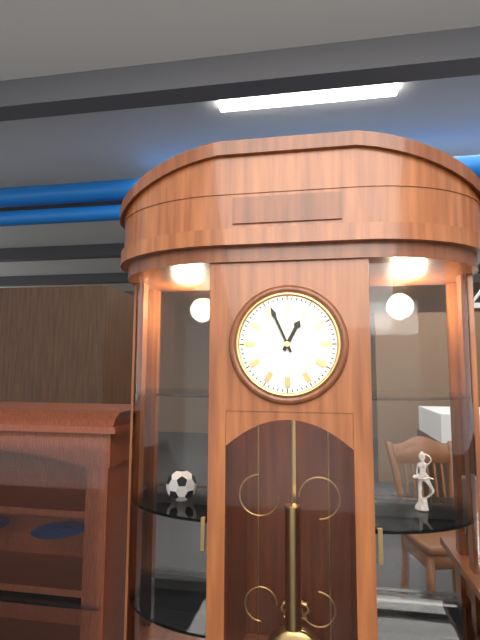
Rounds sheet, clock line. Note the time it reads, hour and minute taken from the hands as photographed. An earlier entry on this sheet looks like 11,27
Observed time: 12,56
